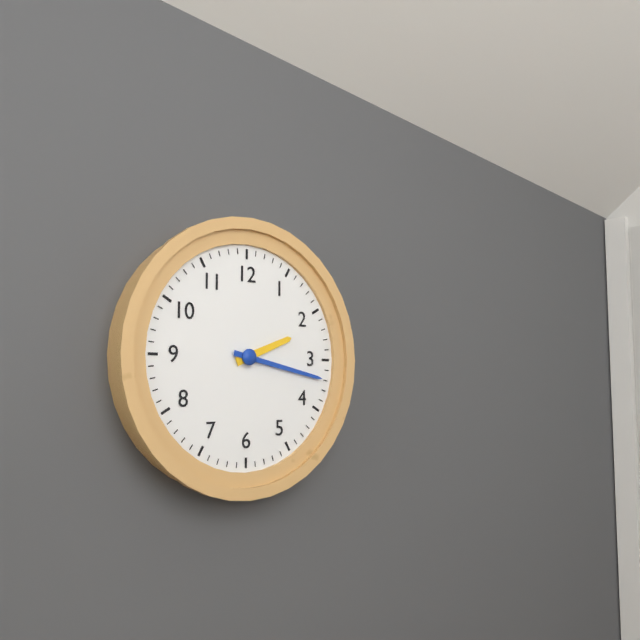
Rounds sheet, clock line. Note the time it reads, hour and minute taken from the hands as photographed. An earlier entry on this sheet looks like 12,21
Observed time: 2,17
